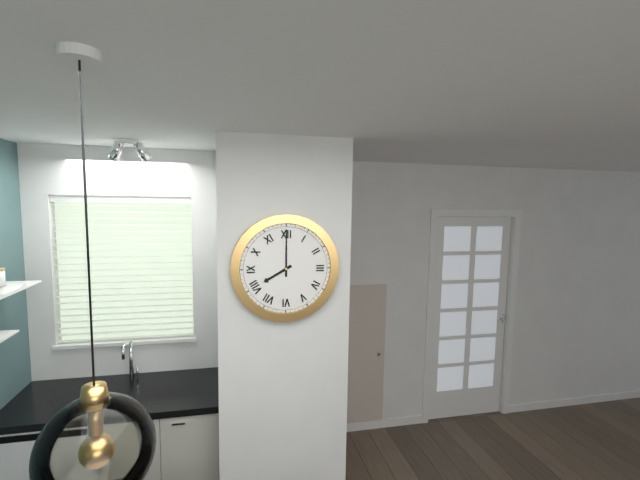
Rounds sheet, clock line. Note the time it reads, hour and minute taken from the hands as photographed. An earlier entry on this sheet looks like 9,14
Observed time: 8,00
